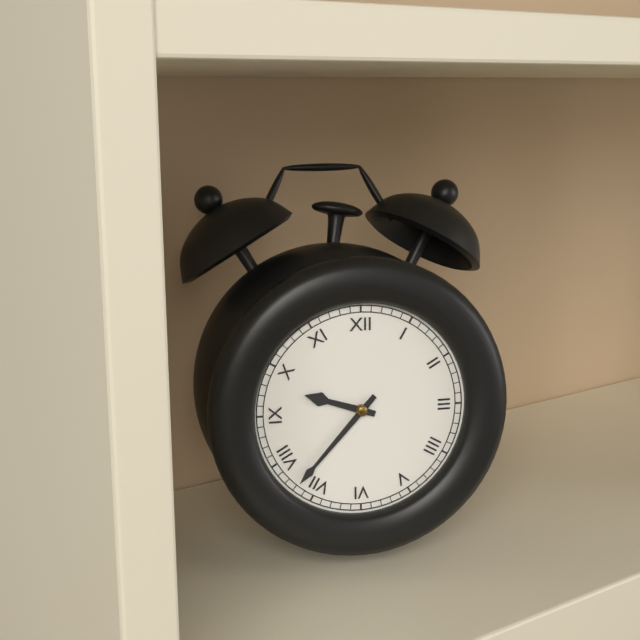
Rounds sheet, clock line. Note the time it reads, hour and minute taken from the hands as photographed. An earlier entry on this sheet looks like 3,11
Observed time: 9,37
